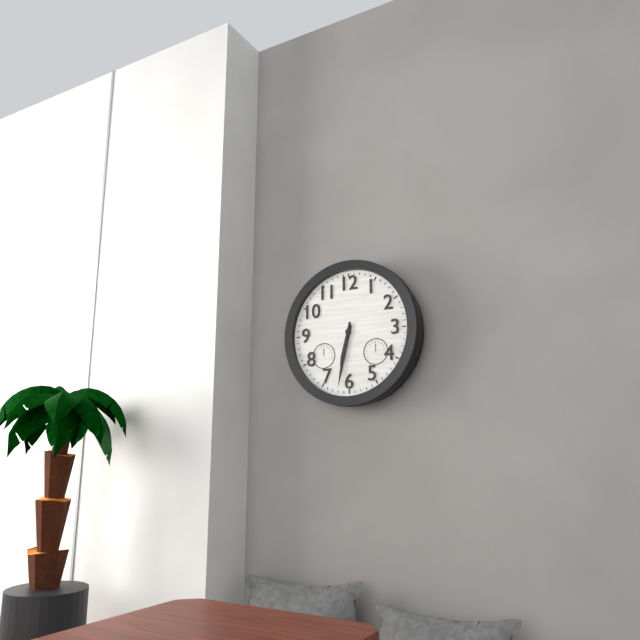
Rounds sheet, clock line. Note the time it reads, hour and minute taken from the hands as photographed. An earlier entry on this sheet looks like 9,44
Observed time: 6,32
